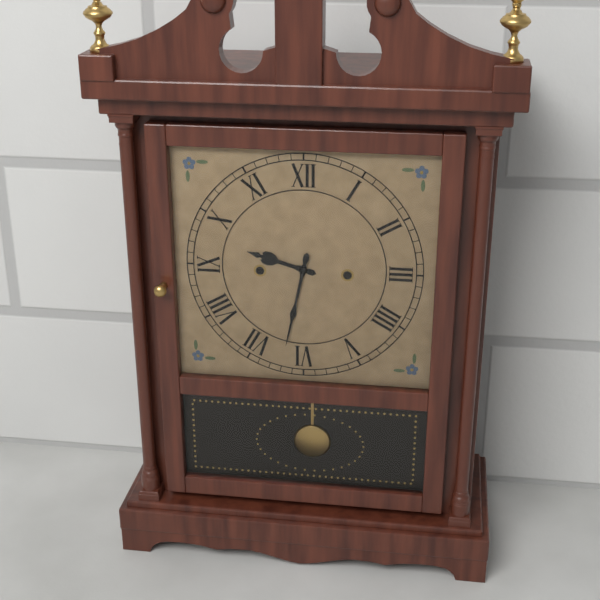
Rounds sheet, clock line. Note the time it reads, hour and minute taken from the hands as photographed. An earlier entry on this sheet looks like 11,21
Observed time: 9,32
